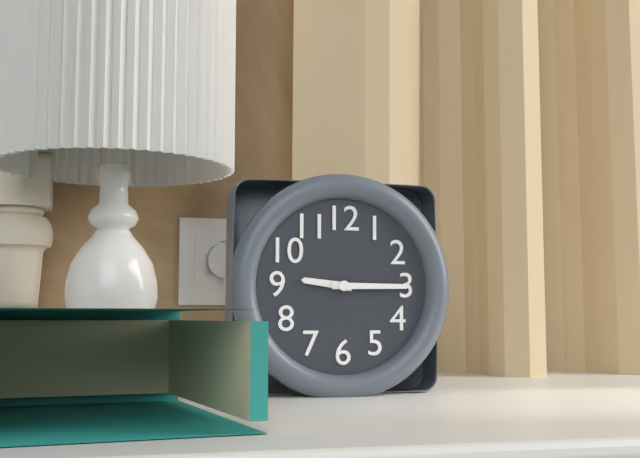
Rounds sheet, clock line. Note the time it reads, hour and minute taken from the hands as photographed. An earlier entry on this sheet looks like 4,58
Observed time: 9,15
